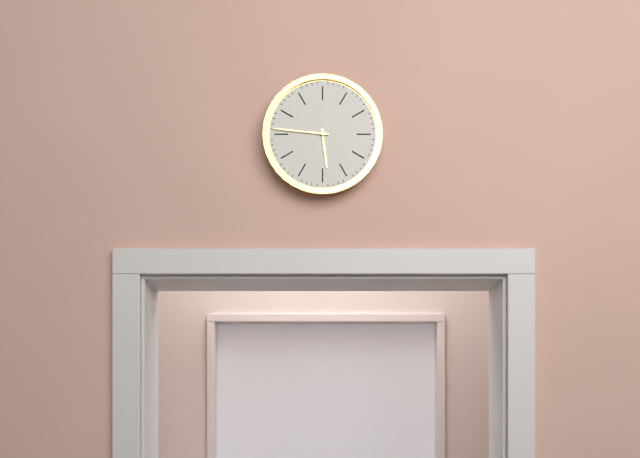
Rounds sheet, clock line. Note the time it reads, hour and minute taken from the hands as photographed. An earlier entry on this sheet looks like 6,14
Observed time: 5,46
